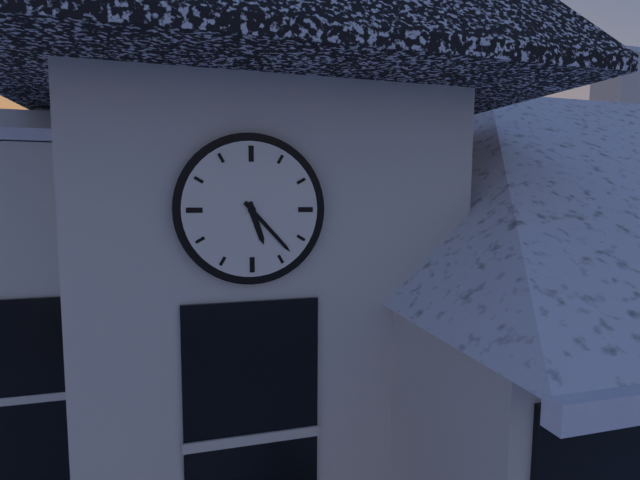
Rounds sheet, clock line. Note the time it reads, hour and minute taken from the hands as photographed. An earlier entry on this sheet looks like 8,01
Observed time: 5,23
